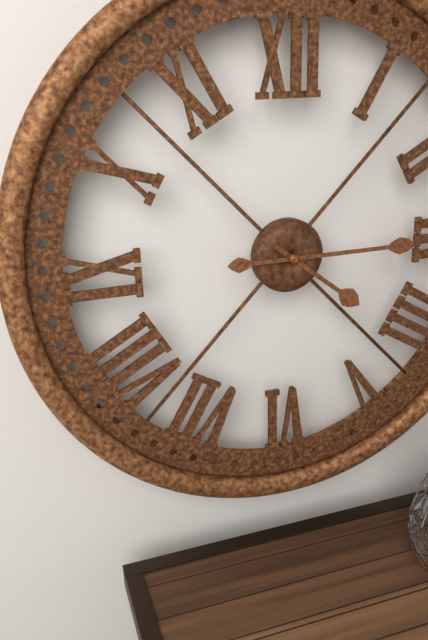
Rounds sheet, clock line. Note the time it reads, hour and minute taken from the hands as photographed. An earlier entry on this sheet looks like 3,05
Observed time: 4,15
